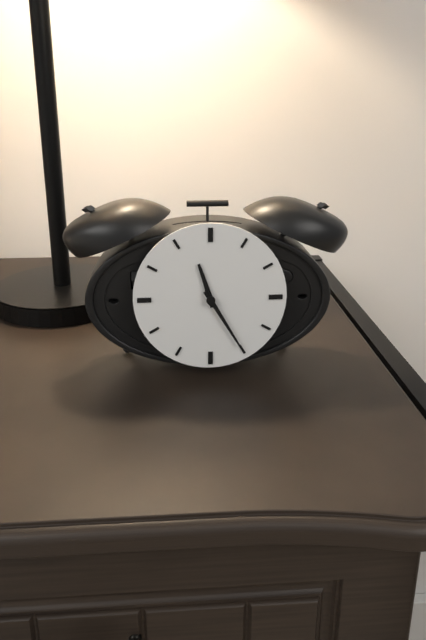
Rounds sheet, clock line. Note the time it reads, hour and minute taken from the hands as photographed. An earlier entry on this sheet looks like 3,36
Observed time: 11,25
